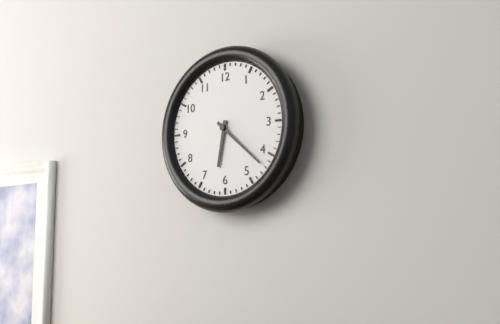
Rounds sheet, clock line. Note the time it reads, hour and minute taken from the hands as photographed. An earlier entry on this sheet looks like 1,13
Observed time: 6,22
